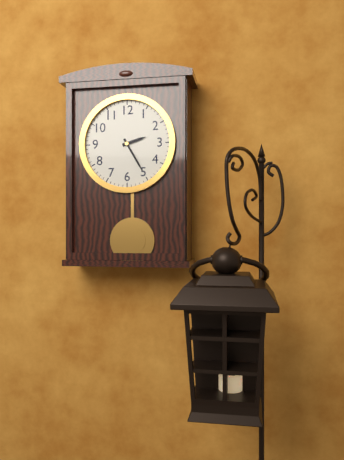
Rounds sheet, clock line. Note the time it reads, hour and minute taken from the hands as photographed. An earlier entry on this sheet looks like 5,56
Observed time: 2,25
